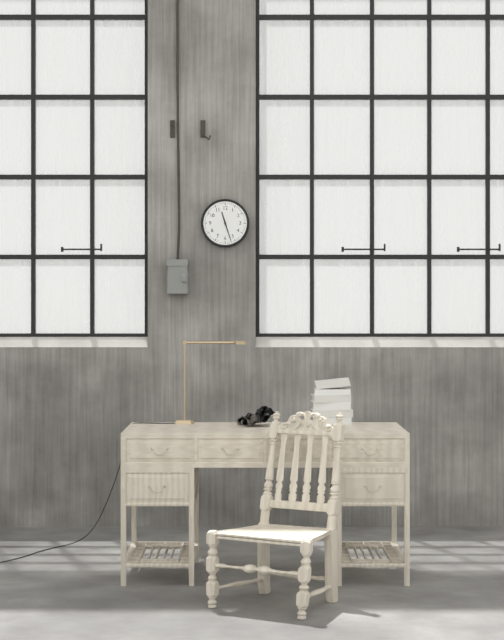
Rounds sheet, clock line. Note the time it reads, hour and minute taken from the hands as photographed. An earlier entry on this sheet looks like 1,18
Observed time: 11,27
